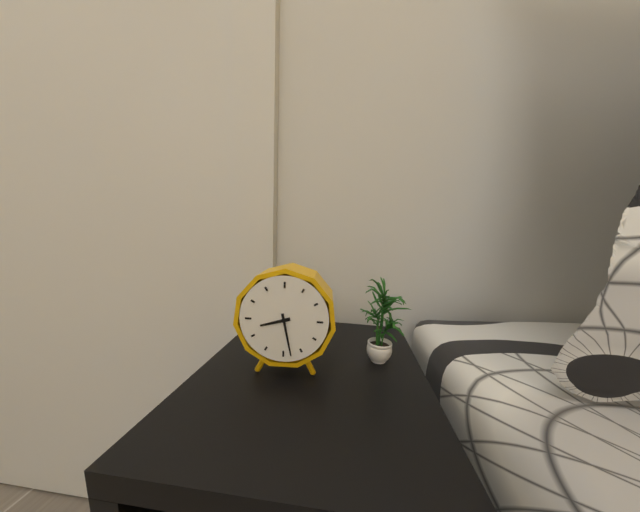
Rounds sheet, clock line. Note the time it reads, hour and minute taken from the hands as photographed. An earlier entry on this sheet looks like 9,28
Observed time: 8,28
